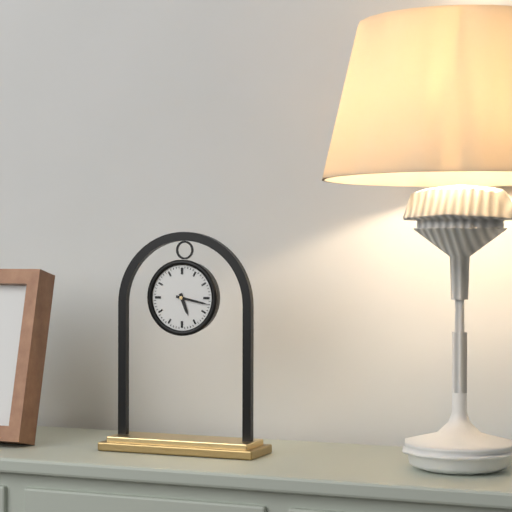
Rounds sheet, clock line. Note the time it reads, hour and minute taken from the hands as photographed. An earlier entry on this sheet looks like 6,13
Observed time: 5,17
